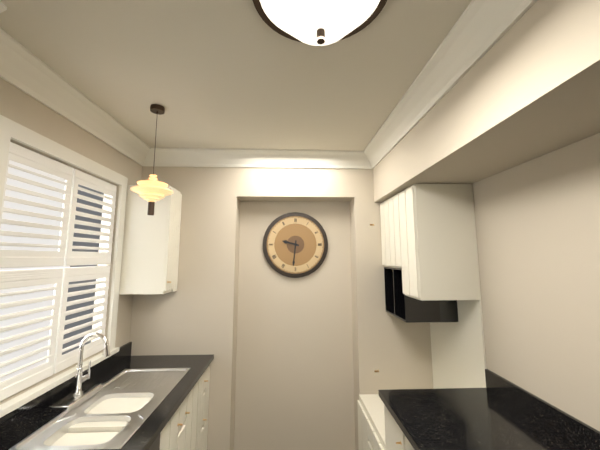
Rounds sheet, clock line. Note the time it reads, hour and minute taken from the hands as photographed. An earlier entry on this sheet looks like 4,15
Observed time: 9,31
